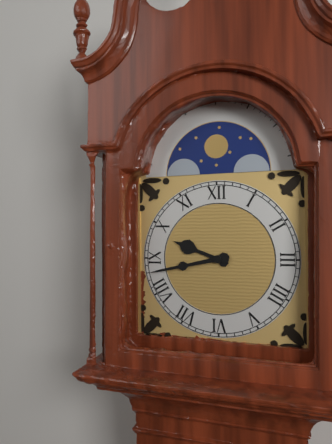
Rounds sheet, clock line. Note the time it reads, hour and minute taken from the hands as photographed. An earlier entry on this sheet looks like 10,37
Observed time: 9,43
